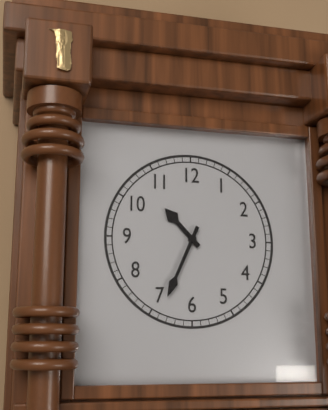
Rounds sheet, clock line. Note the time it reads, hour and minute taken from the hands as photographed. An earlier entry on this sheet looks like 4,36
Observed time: 10,34
